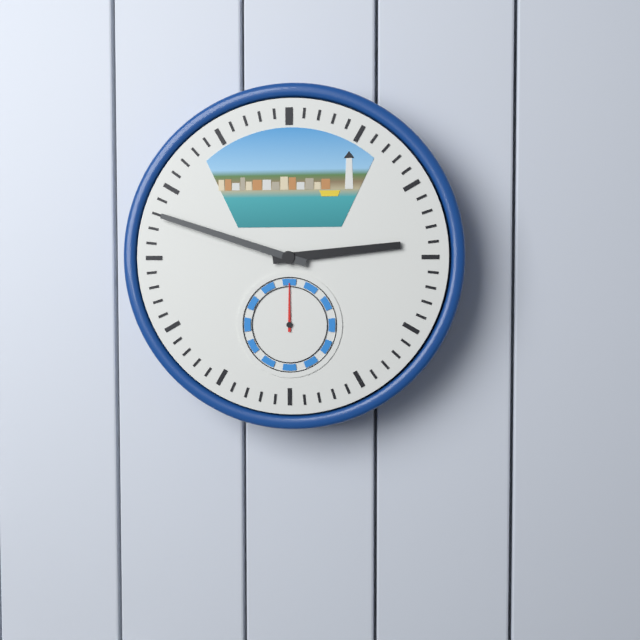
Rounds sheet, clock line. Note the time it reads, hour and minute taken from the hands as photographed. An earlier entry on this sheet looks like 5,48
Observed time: 2,48
